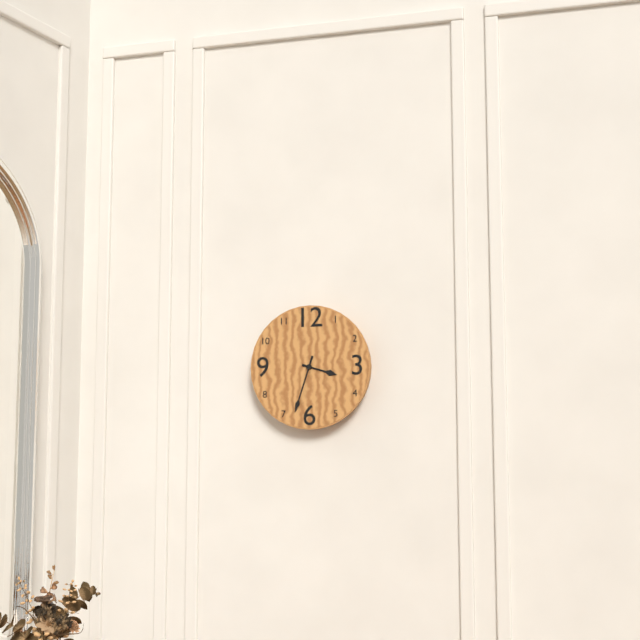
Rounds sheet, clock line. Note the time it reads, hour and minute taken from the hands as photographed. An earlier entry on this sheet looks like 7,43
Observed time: 3,33
